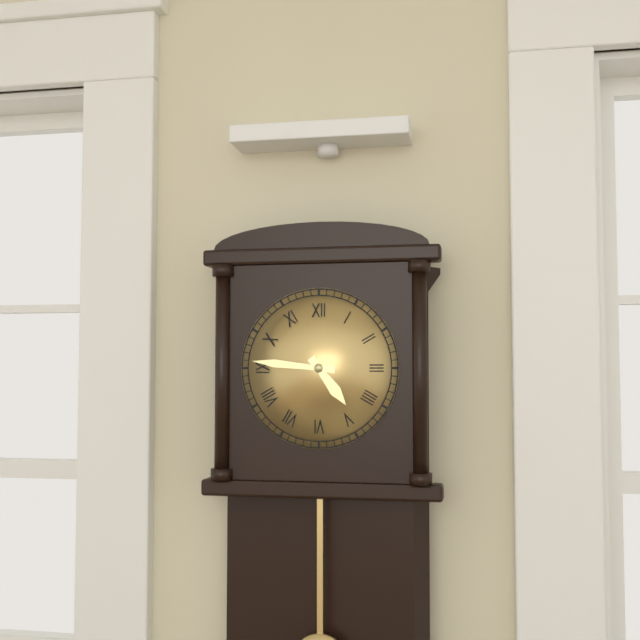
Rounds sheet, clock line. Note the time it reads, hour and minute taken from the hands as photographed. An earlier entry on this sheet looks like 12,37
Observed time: 4,46
